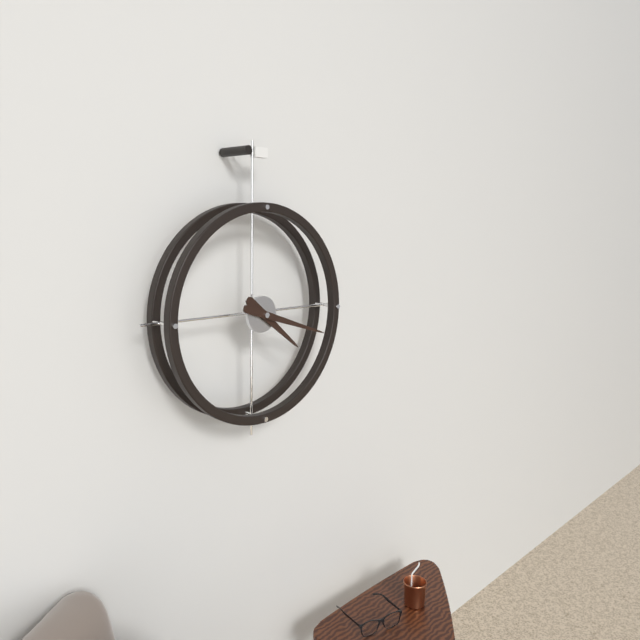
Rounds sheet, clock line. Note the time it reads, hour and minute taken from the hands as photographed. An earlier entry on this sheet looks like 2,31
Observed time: 4,18
